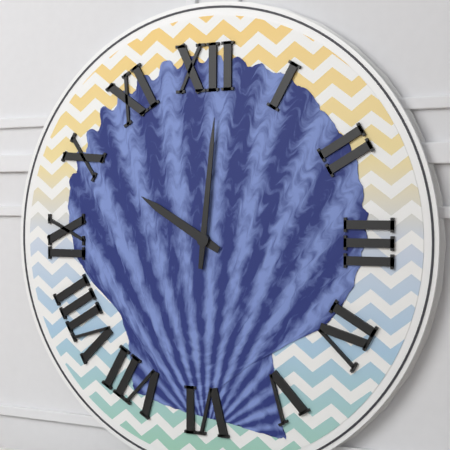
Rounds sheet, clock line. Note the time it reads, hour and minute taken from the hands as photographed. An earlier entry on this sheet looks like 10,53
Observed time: 10,01
